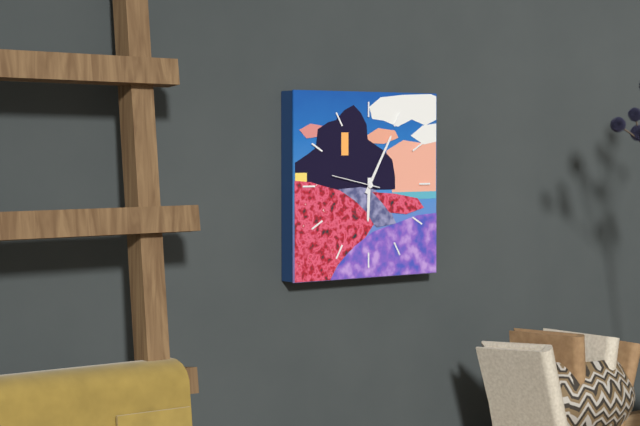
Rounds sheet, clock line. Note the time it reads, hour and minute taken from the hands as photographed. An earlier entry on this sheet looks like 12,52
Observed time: 6,05
